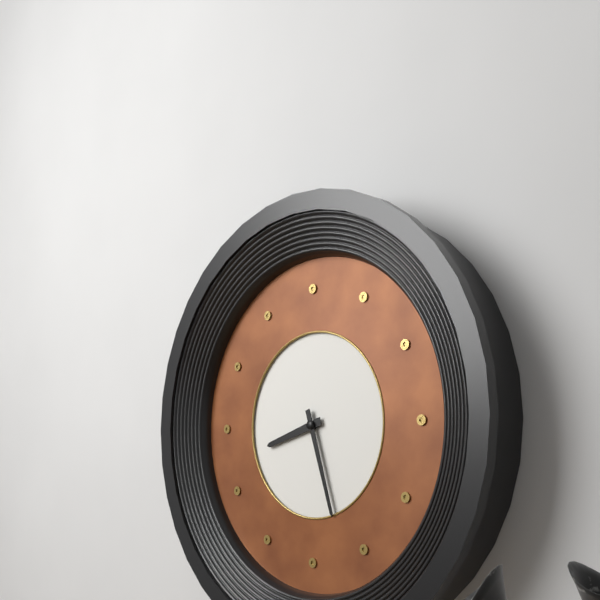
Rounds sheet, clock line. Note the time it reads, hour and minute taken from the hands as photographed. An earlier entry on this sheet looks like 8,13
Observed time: 8,27
